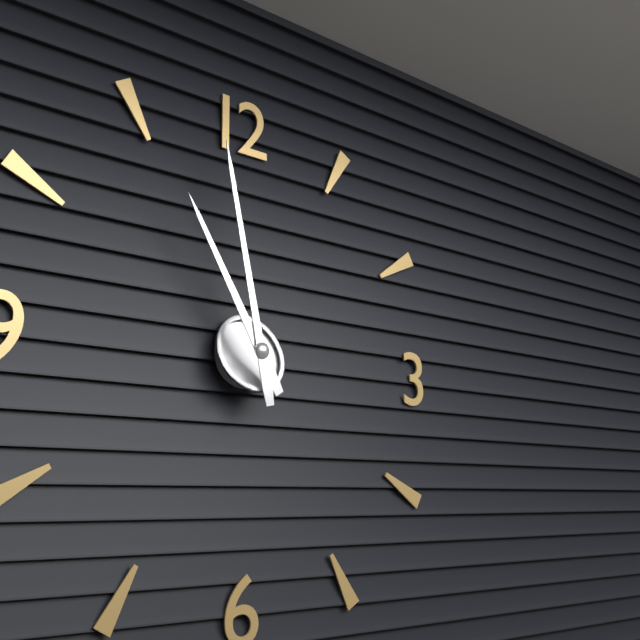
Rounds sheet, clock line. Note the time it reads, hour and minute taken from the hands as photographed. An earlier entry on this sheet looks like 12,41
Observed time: 10,58
